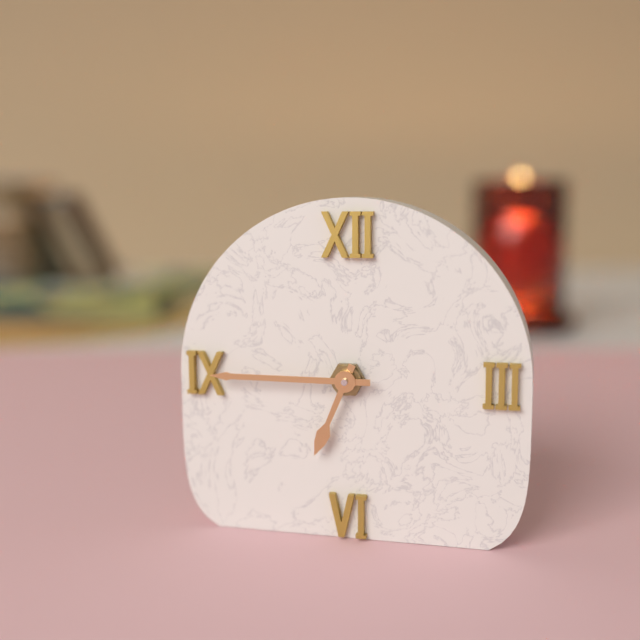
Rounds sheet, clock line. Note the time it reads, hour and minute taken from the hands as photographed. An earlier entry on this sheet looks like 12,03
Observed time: 6,45
